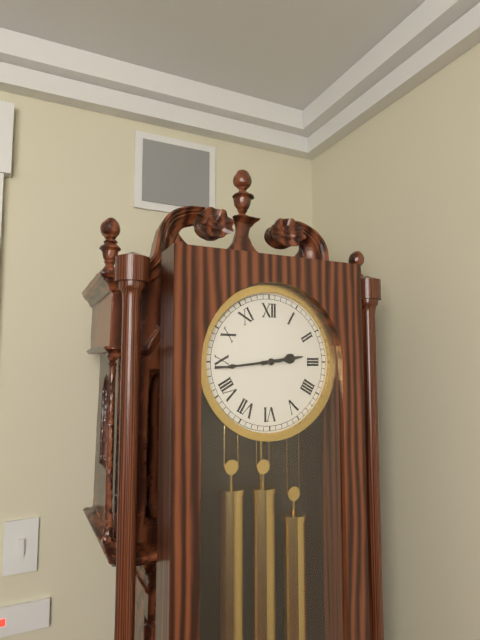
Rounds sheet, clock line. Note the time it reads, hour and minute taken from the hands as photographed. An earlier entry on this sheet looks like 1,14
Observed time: 2,44
